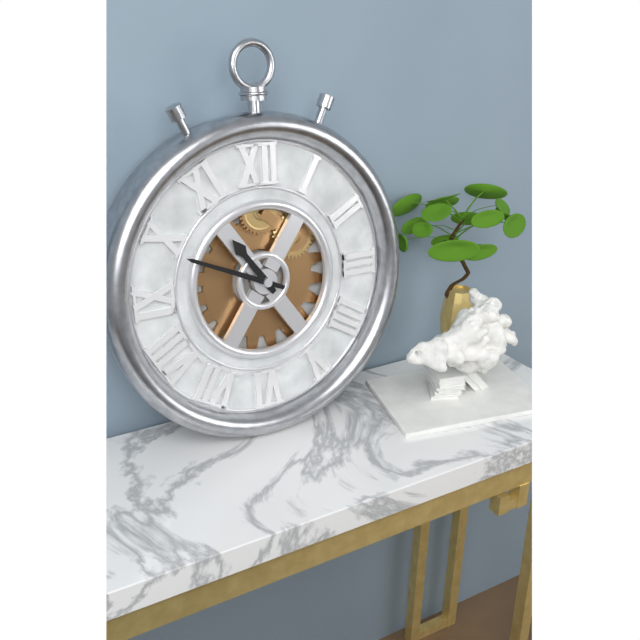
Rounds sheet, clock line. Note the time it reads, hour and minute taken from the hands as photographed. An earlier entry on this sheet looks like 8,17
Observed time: 10,49
